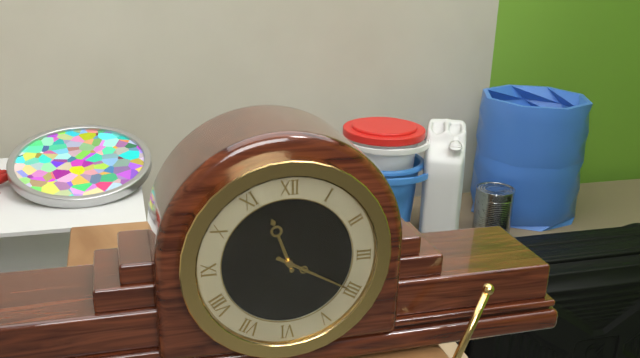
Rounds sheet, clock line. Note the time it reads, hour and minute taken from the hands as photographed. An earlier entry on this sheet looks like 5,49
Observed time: 11,20
